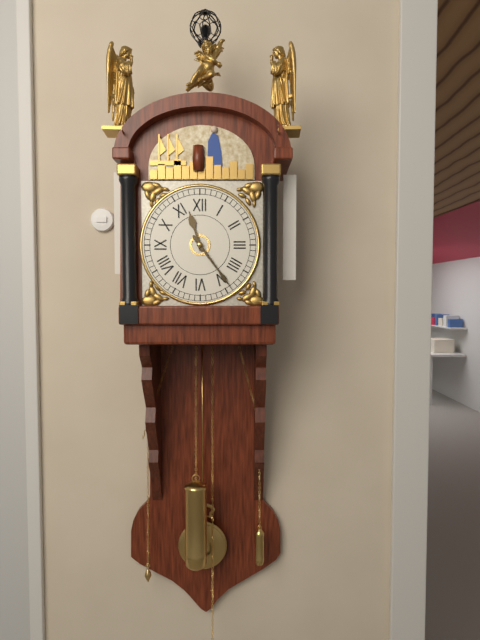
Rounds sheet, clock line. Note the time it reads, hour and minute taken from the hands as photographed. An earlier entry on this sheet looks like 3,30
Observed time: 11,24
